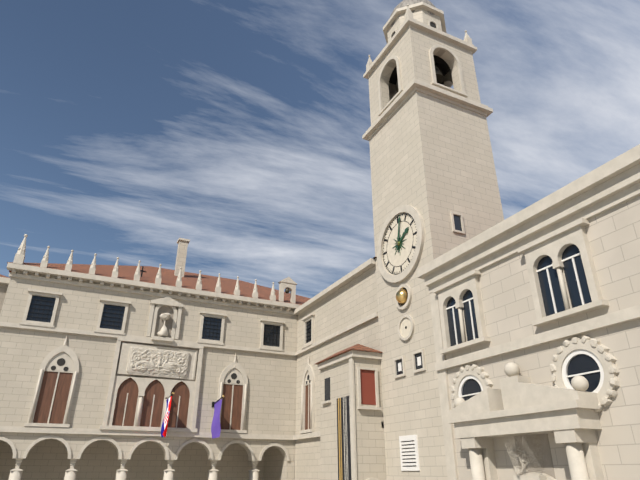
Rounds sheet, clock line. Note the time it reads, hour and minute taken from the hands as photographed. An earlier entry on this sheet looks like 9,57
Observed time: 2,02
